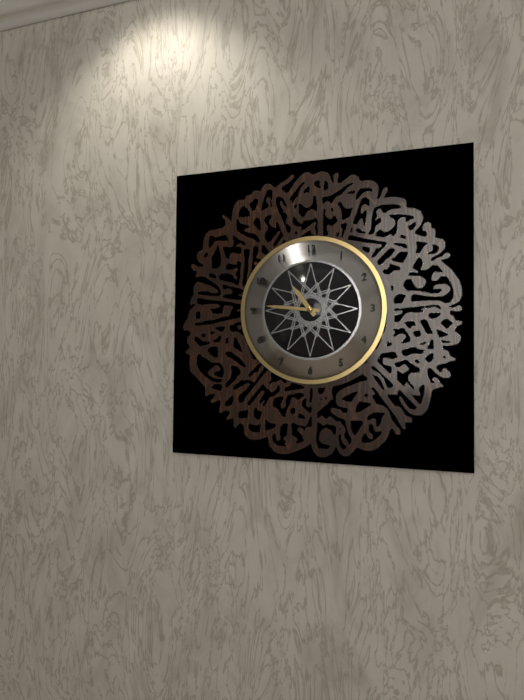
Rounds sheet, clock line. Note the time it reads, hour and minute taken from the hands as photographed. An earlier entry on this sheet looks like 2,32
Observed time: 10,46
